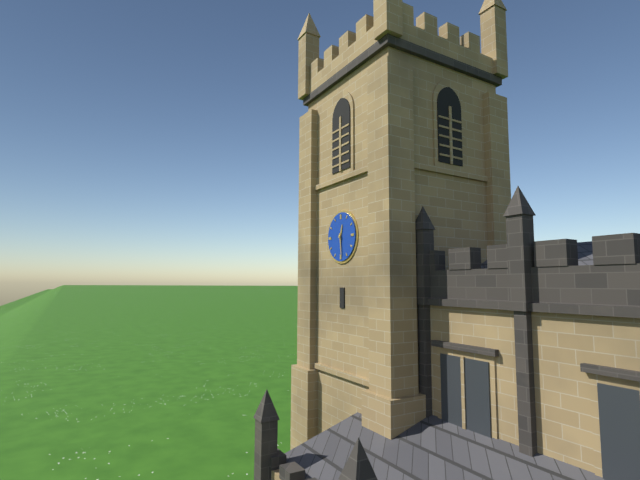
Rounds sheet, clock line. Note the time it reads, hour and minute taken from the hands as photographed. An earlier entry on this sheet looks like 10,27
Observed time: 12,29
